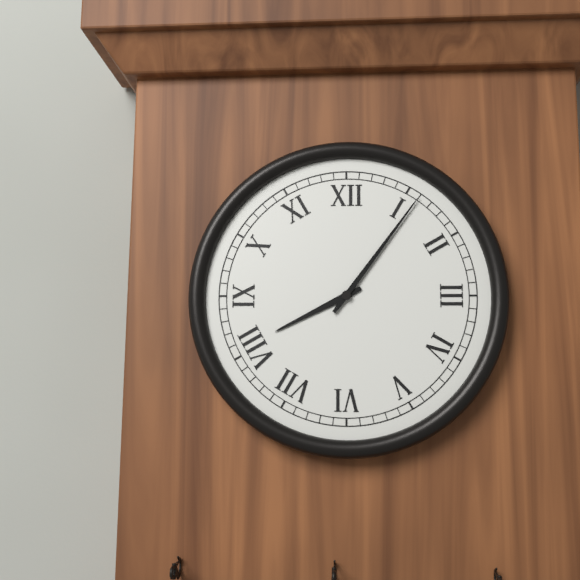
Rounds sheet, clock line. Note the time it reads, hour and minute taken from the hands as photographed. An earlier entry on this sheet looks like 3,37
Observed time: 8,06
